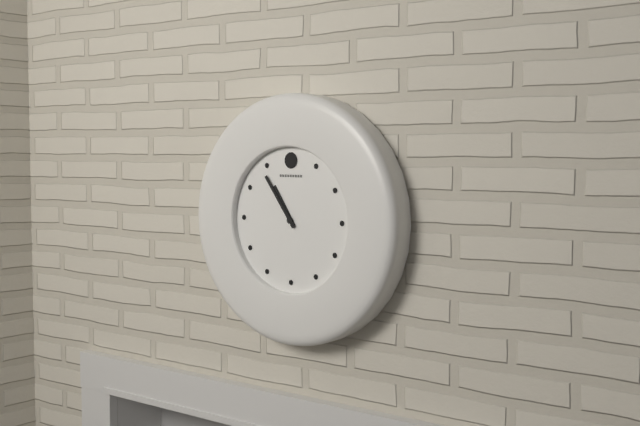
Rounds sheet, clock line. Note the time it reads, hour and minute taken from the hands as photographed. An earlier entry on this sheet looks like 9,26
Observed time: 10,54
